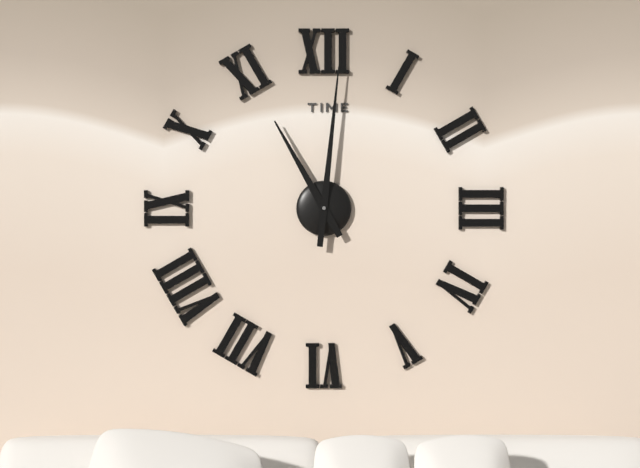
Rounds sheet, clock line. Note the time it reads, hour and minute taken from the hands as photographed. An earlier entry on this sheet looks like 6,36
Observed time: 11,01
